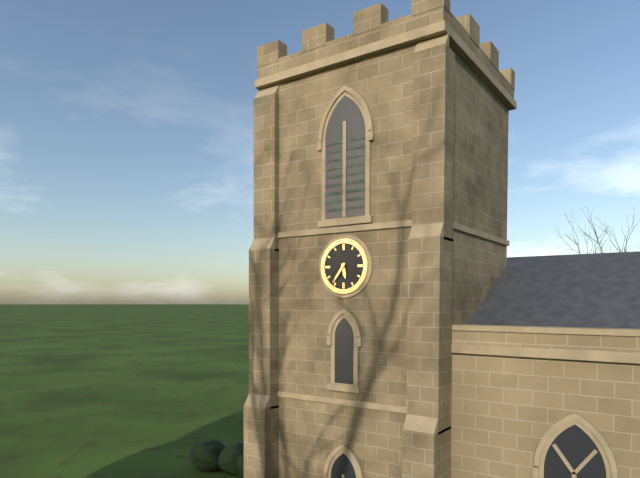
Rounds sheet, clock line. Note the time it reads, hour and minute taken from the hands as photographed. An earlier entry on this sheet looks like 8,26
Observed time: 5,36
